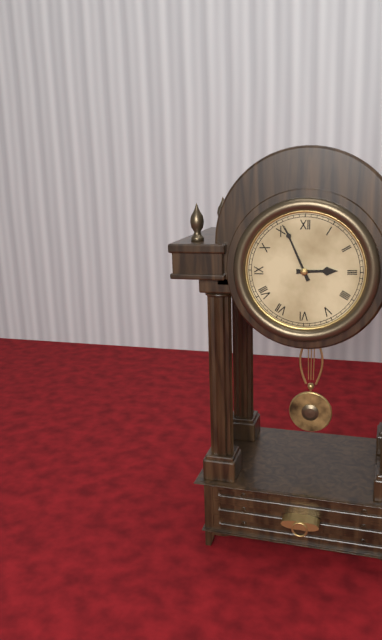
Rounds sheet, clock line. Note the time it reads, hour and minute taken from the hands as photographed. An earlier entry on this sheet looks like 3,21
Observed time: 2,56
